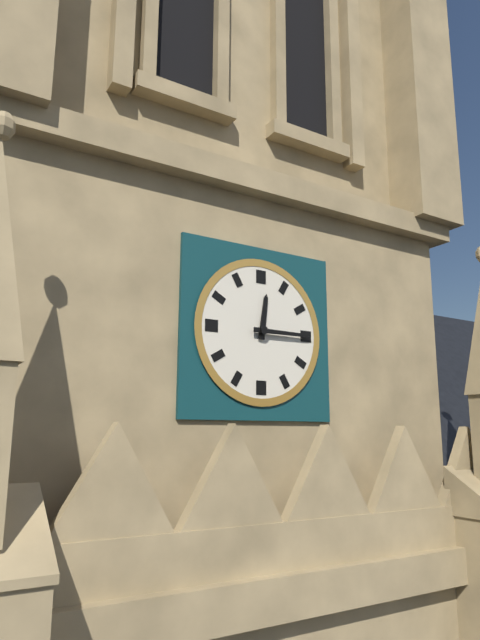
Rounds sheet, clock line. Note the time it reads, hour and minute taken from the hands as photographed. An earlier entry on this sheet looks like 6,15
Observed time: 12,15
